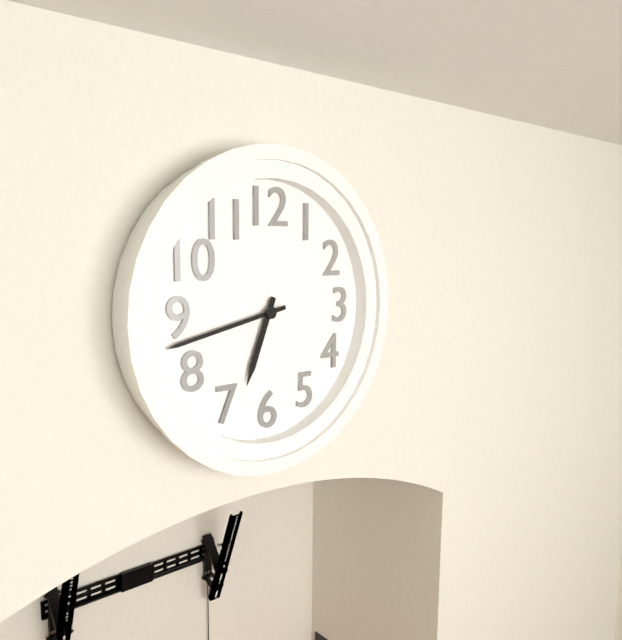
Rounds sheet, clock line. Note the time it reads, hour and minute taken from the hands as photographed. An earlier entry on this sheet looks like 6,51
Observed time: 6,43
